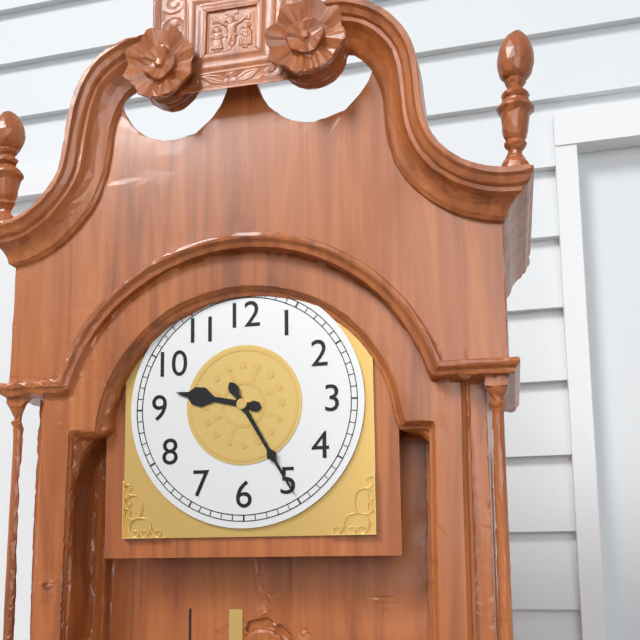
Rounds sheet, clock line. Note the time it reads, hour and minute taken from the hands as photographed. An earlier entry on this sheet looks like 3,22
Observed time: 9,25
